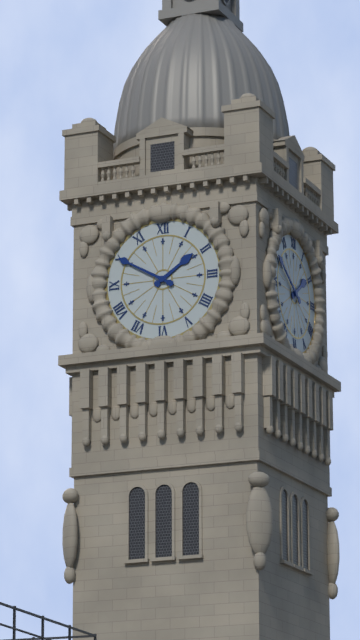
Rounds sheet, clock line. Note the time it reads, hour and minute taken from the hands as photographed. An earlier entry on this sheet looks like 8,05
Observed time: 1,50
